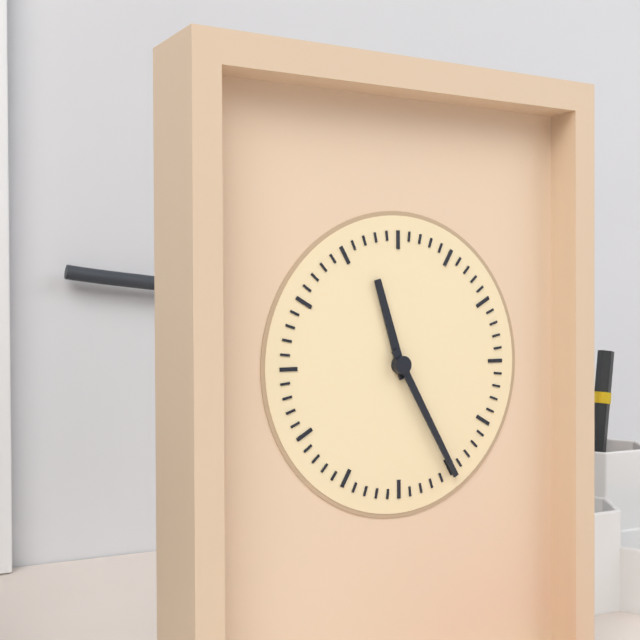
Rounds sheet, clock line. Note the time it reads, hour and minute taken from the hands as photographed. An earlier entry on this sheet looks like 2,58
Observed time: 11,25
